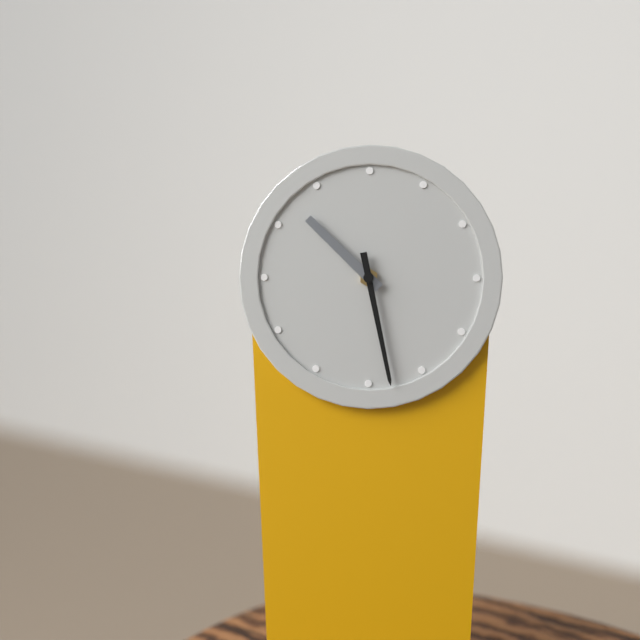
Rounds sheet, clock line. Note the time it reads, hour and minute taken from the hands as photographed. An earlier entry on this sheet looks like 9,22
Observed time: 10,28
